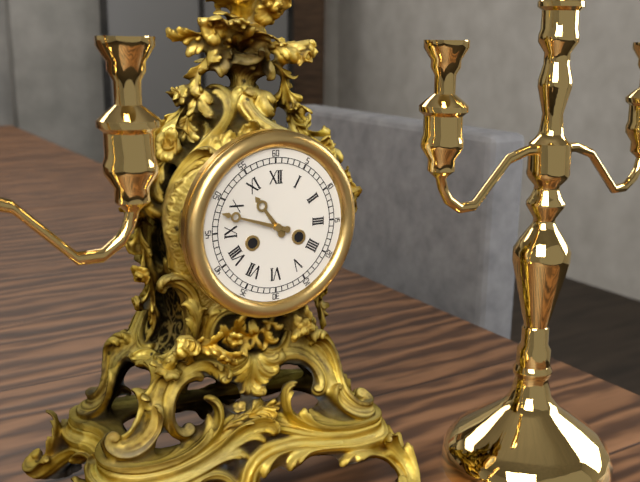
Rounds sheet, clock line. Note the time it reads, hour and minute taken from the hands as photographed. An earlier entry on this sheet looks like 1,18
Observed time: 10,48
